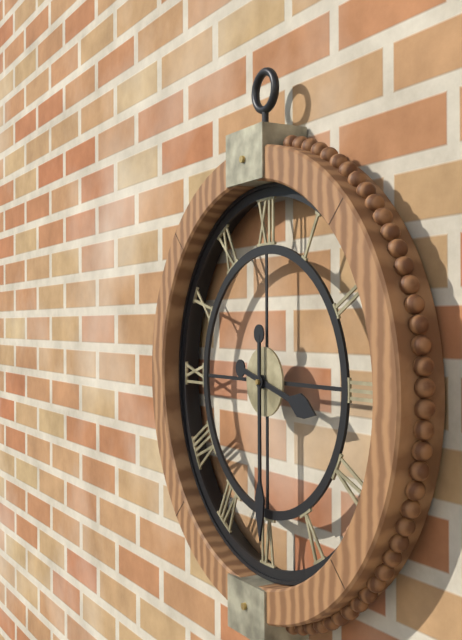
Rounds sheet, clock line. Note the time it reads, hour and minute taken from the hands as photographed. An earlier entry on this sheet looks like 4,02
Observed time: 3,30
